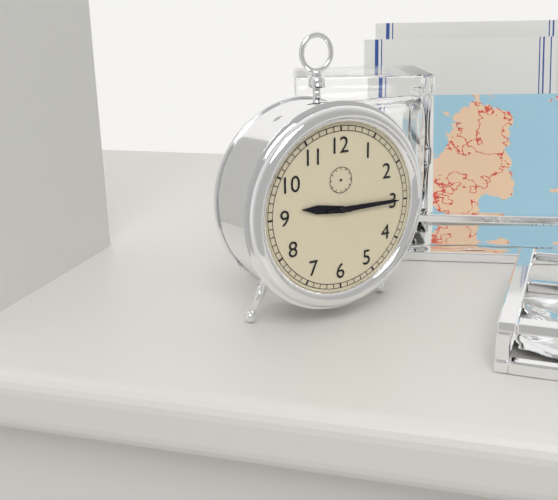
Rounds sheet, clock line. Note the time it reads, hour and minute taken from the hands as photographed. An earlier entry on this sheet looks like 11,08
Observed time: 9,15
